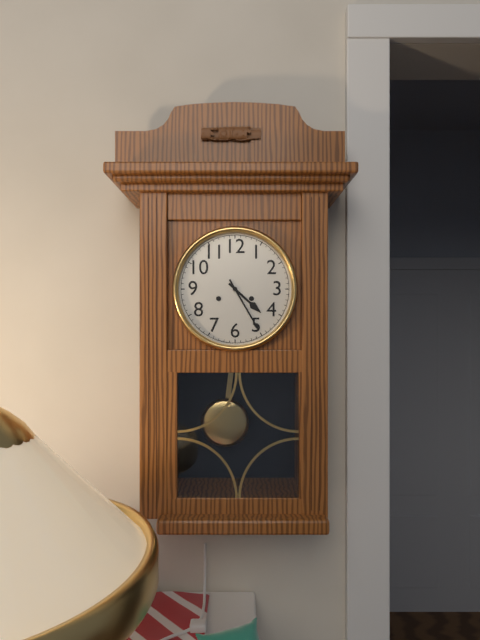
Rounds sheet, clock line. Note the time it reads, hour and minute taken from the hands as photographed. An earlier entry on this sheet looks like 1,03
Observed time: 4,25
